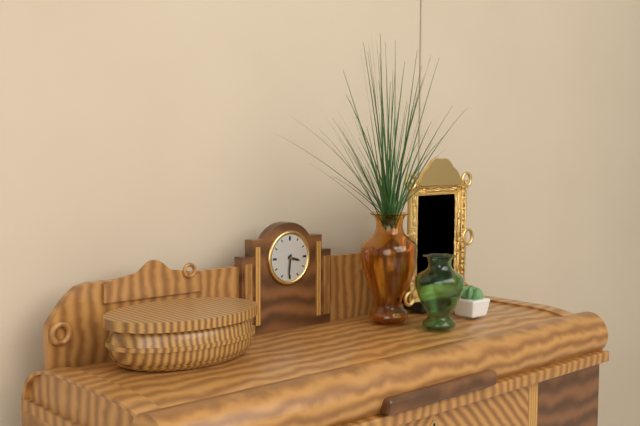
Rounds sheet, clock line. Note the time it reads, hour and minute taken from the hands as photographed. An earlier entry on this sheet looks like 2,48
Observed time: 3,31
